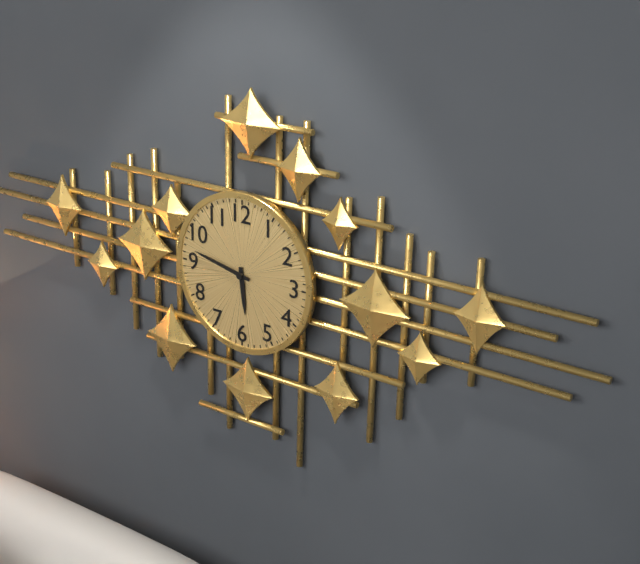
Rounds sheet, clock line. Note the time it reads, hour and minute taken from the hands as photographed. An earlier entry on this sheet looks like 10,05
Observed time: 5,47
